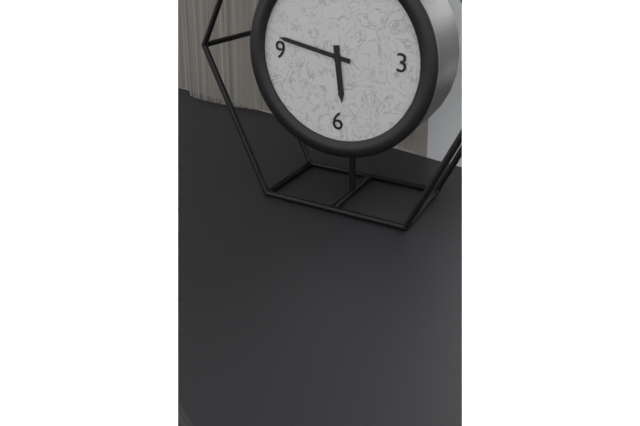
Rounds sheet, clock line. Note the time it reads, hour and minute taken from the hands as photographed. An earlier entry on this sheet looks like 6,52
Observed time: 5,47
